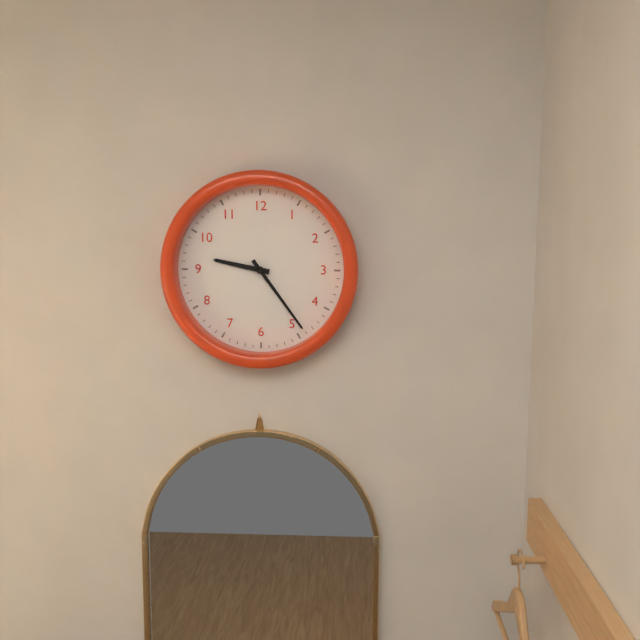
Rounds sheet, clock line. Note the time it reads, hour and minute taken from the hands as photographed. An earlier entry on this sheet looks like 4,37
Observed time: 9,24
